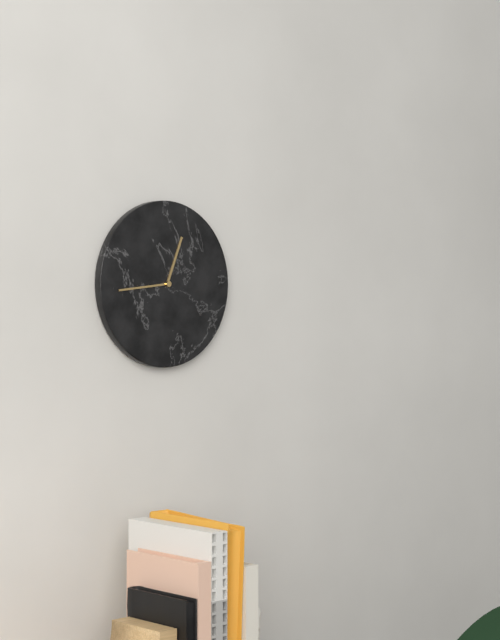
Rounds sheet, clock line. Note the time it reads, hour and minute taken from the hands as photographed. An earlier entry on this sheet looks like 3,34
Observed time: 12,44
